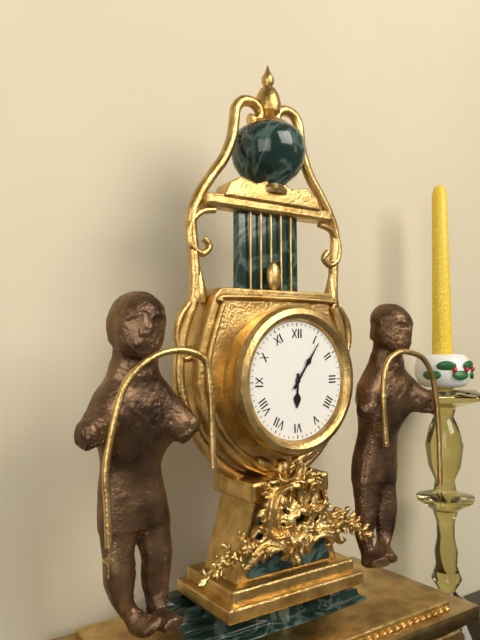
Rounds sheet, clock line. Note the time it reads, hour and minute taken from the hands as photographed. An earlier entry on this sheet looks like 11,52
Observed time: 6,06
